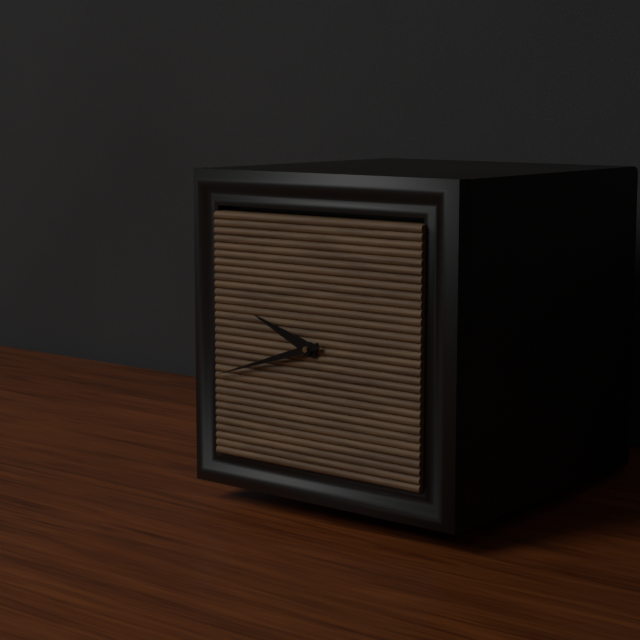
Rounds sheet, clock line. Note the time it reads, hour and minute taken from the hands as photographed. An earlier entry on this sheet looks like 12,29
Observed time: 9,42
